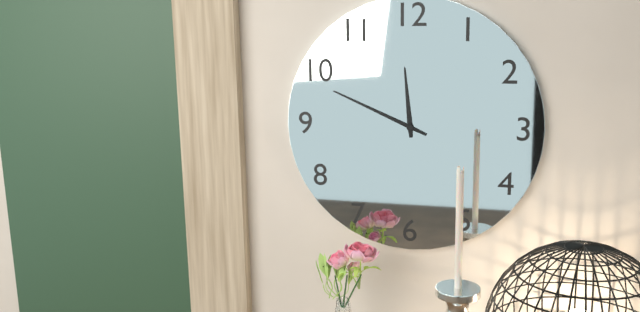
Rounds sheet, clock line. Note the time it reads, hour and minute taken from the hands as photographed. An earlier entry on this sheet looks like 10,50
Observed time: 11,49
